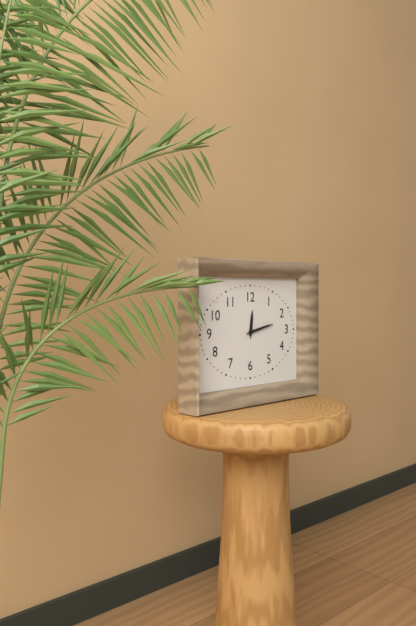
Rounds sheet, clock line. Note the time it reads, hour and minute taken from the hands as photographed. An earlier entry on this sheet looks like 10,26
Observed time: 12,13
